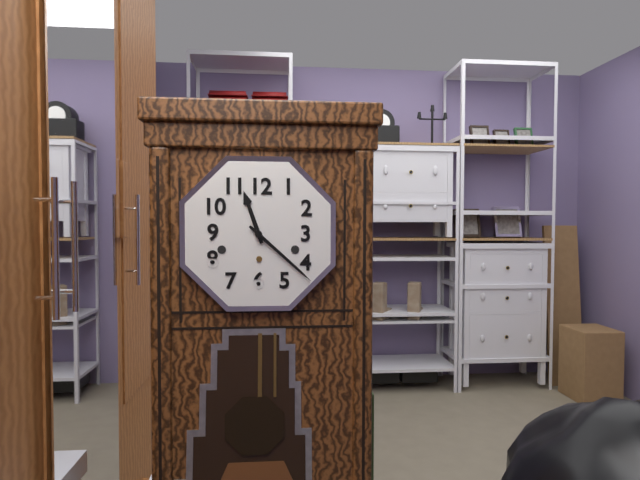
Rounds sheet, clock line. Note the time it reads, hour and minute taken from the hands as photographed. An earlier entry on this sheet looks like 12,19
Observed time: 11,22
